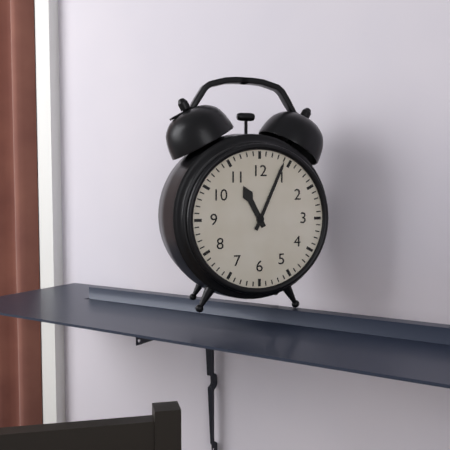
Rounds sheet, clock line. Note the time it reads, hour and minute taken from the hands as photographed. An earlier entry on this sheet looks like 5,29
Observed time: 11,04
